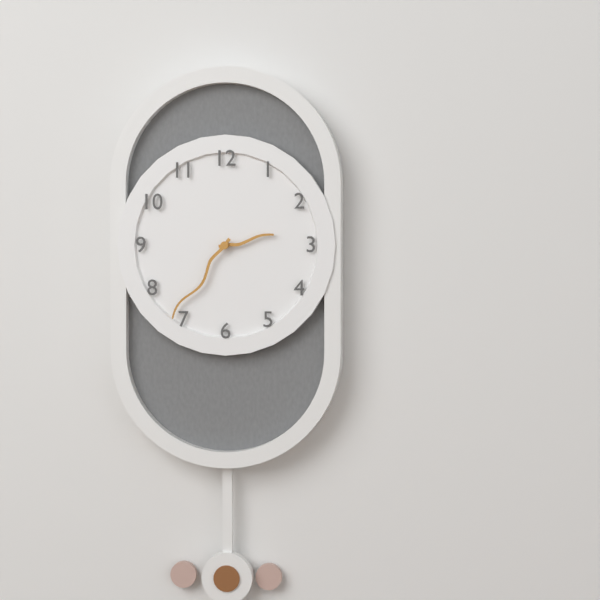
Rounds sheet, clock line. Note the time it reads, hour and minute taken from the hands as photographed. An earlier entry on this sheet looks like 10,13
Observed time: 2,36
